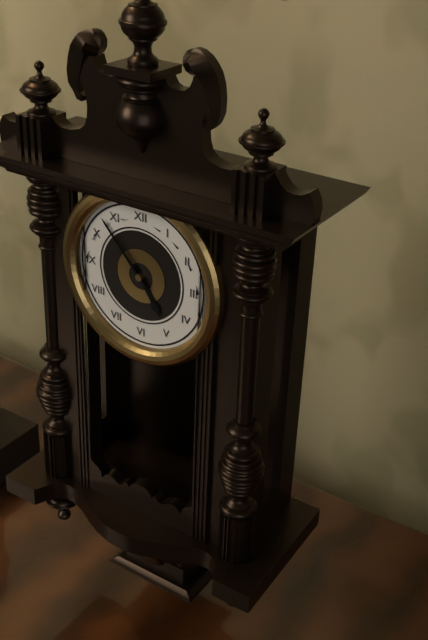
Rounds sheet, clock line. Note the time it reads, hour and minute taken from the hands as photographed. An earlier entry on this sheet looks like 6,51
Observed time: 4,53
